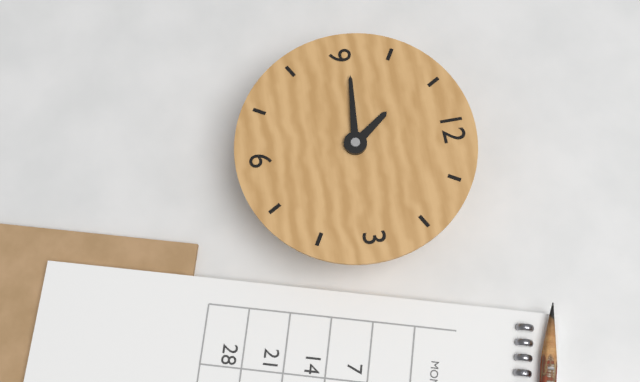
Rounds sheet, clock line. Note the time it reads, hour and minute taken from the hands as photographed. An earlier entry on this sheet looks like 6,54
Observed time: 10,46
